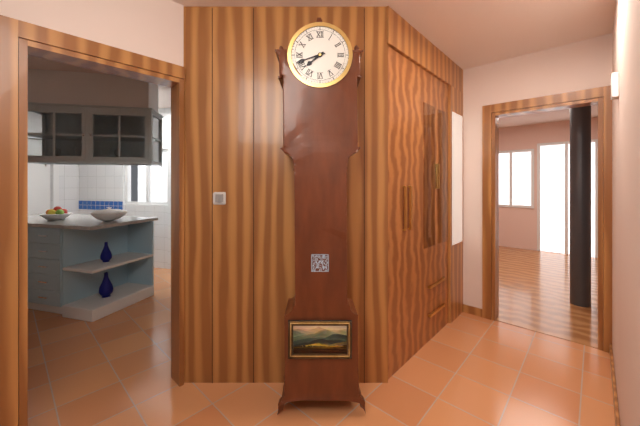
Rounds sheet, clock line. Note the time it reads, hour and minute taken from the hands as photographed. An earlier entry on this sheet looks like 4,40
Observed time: 7,42
